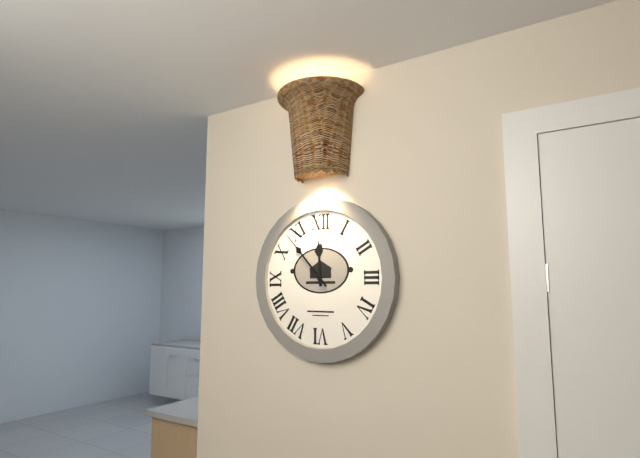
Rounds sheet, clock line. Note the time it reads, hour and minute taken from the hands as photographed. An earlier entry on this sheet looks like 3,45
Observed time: 11,53
